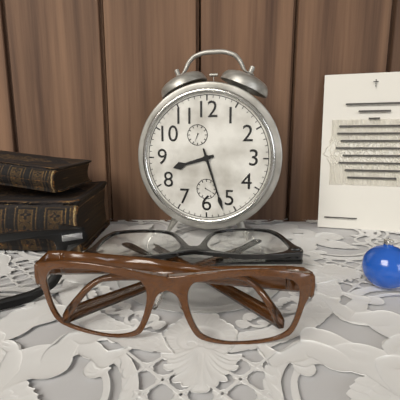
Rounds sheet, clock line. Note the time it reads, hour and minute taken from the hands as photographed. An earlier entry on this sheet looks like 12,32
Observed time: 8,27
